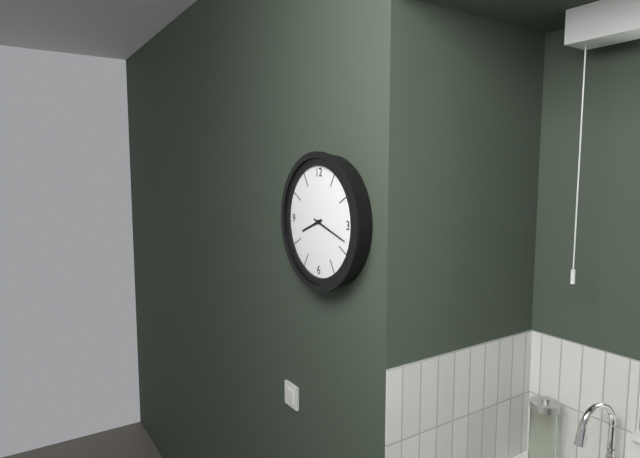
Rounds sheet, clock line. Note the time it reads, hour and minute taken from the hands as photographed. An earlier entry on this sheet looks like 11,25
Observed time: 8,18
